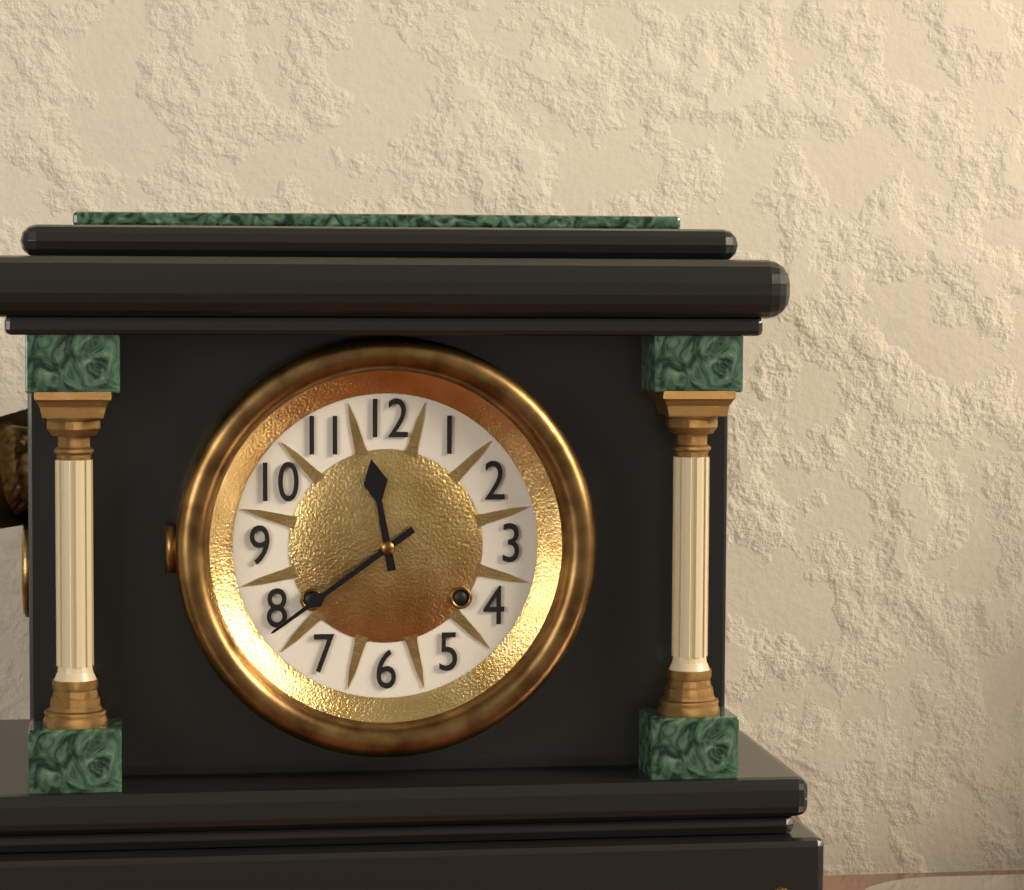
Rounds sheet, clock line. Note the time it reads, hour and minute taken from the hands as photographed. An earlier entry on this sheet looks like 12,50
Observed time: 11,39
